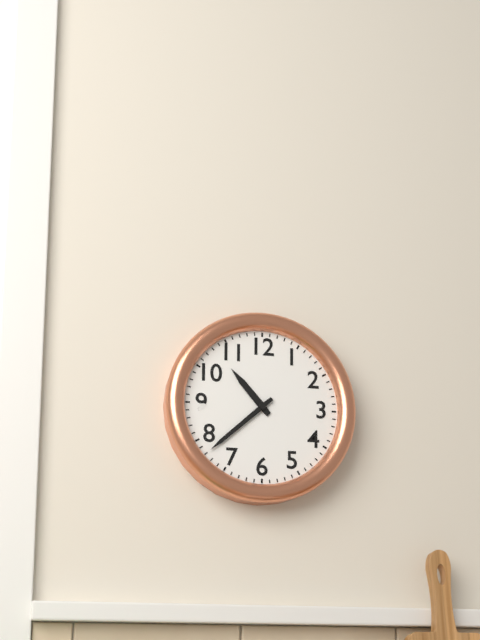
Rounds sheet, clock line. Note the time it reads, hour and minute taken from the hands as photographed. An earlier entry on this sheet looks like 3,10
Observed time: 10,38
